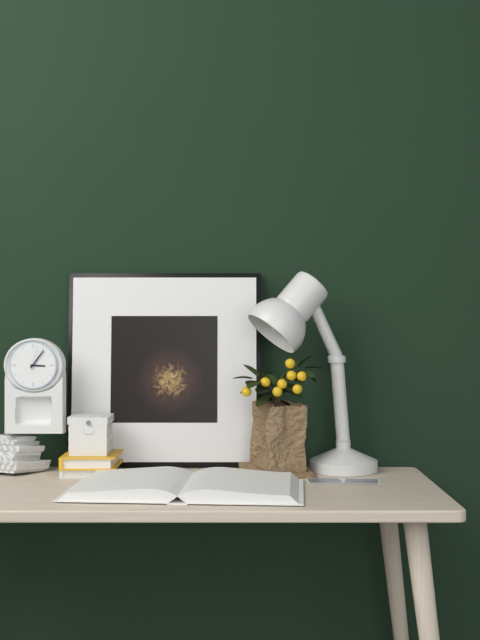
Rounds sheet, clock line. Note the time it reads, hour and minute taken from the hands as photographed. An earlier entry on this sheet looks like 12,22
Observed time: 3,06
